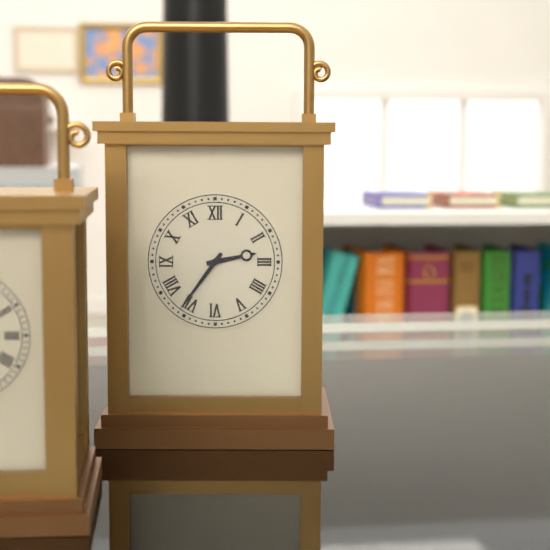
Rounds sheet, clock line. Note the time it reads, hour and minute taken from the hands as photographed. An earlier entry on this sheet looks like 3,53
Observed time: 2,36
